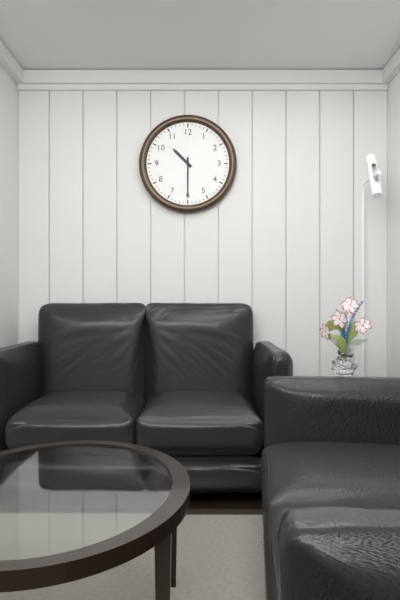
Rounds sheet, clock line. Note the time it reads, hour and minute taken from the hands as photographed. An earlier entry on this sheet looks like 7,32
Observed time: 10,30
